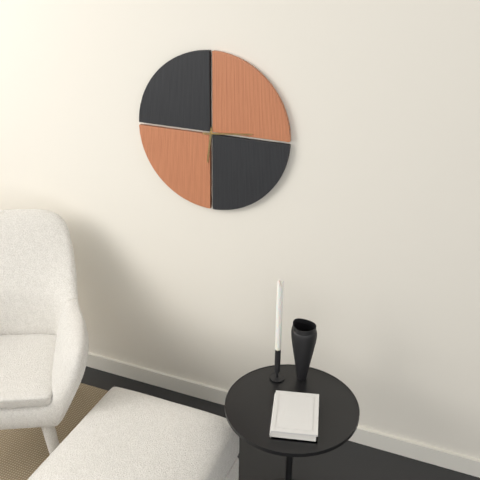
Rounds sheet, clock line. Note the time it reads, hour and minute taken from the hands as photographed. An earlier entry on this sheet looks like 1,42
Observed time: 6,14
